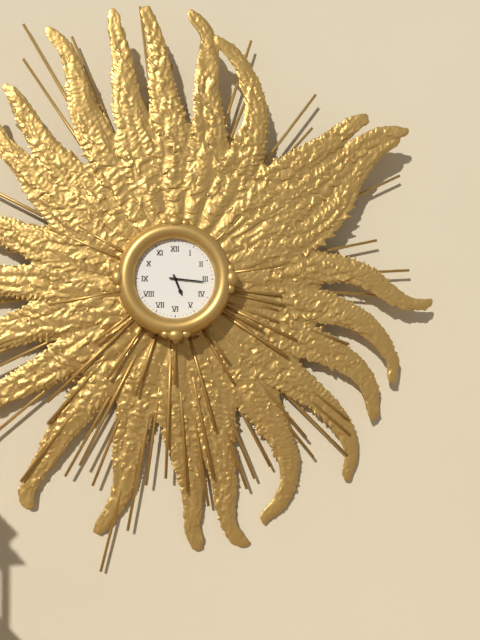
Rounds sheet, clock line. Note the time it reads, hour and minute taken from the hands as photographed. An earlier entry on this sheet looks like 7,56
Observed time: 5,16
